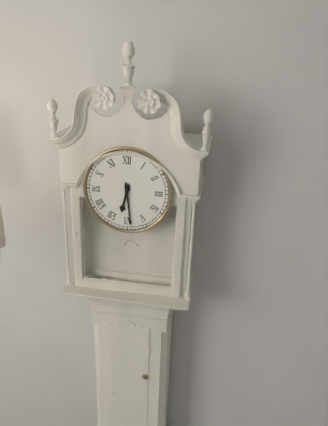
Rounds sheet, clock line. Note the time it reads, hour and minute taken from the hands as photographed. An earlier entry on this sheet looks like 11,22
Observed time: 6,29
